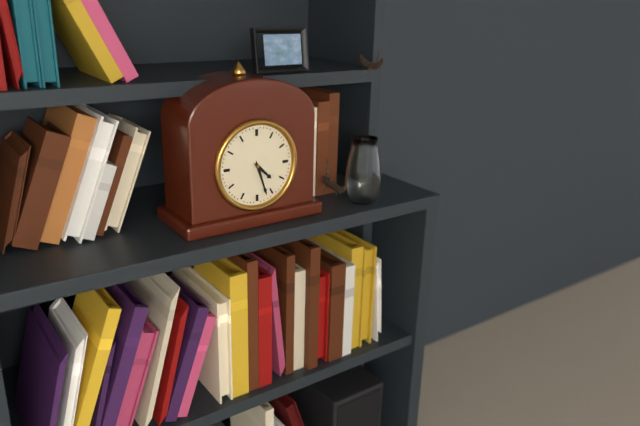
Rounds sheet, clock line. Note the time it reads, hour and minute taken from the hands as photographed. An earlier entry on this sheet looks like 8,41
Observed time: 4,27
